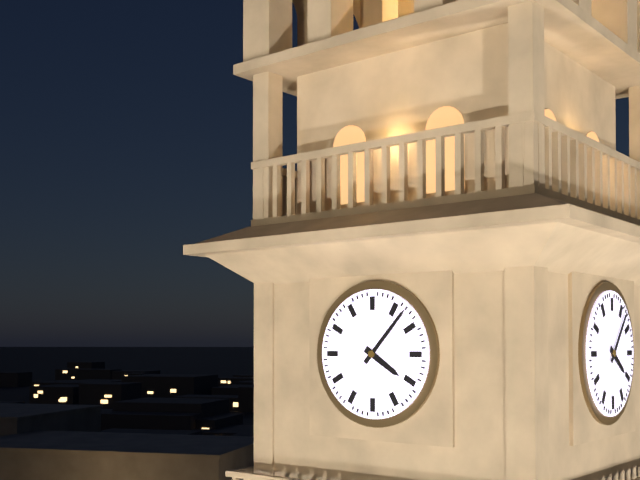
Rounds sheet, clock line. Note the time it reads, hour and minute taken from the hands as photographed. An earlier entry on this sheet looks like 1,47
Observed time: 4,07
